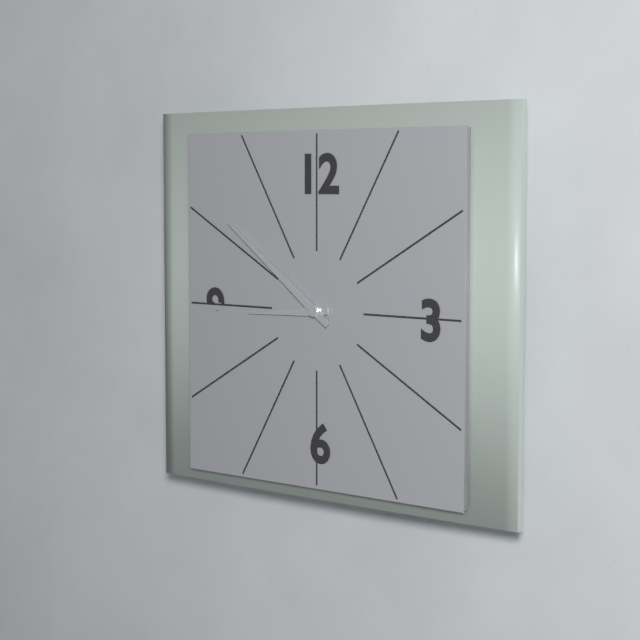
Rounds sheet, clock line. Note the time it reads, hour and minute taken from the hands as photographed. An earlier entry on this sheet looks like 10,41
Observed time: 8,51
